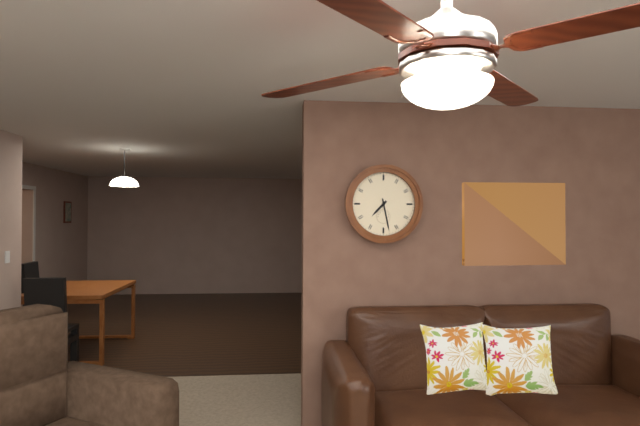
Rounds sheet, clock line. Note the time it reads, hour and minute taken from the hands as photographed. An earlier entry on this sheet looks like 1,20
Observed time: 7,28
